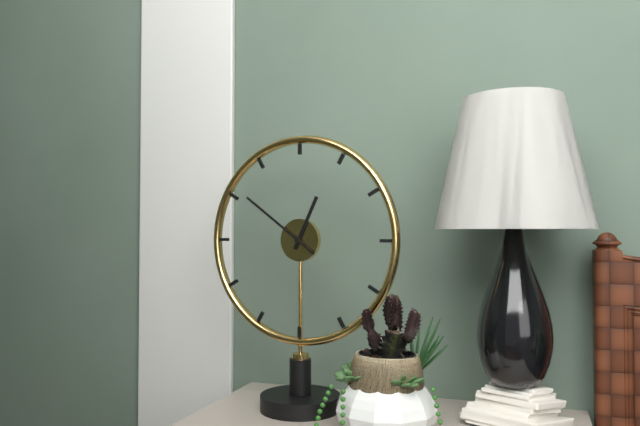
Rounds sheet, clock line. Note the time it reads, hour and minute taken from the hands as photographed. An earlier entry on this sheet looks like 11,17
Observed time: 12,51
